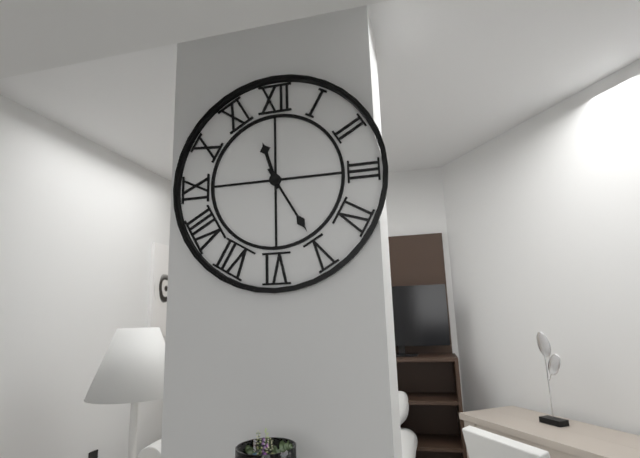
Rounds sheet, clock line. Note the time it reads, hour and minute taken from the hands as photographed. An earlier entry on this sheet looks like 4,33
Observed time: 11,25
